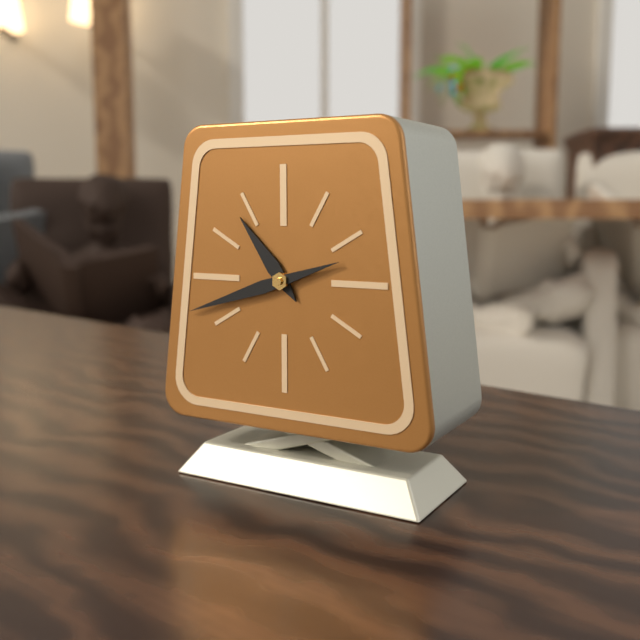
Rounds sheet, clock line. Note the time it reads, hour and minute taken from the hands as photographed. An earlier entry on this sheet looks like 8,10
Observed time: 10,42
